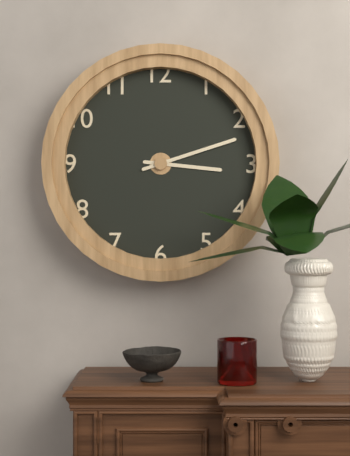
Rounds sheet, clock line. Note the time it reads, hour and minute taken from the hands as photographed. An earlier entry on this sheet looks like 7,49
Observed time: 3,12
